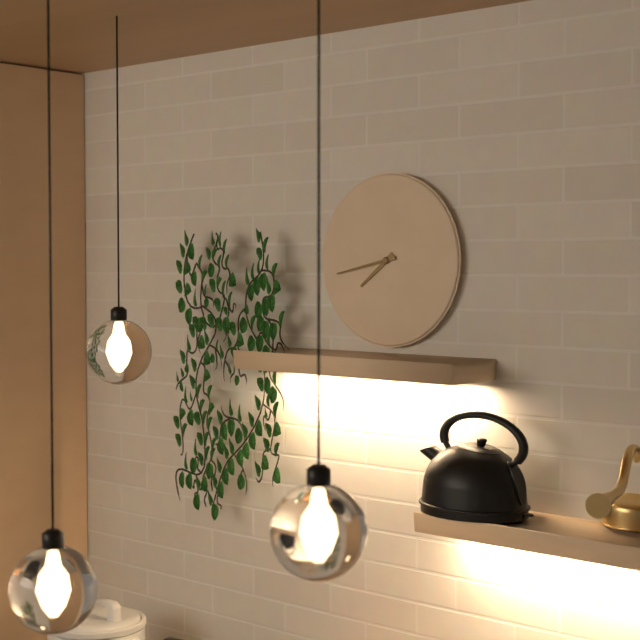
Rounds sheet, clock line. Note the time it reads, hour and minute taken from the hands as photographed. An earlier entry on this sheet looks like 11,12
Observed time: 7,43
